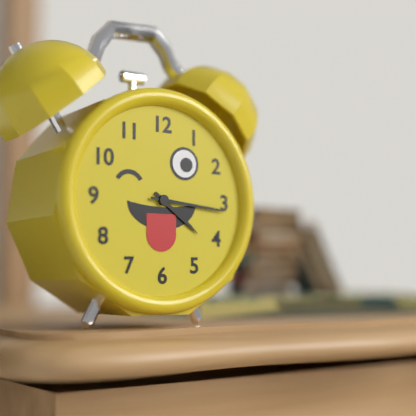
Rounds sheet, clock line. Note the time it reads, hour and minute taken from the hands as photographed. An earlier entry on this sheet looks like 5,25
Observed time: 4,16
